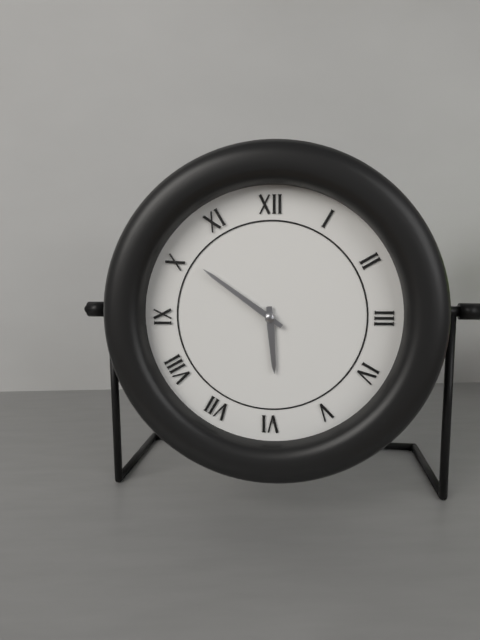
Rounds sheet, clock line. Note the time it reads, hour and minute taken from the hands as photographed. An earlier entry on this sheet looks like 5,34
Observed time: 5,51
